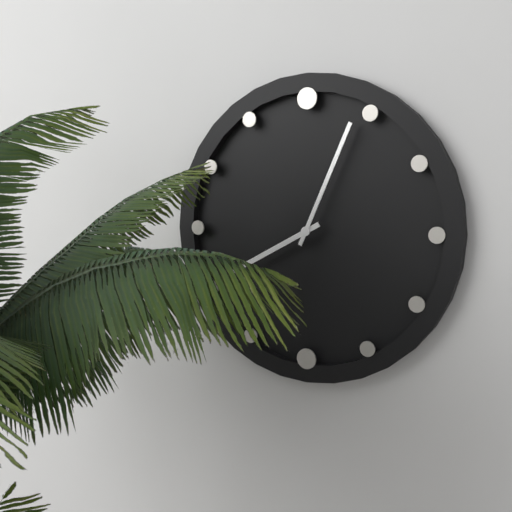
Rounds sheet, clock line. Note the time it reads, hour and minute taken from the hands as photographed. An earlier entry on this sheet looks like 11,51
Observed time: 8,04
